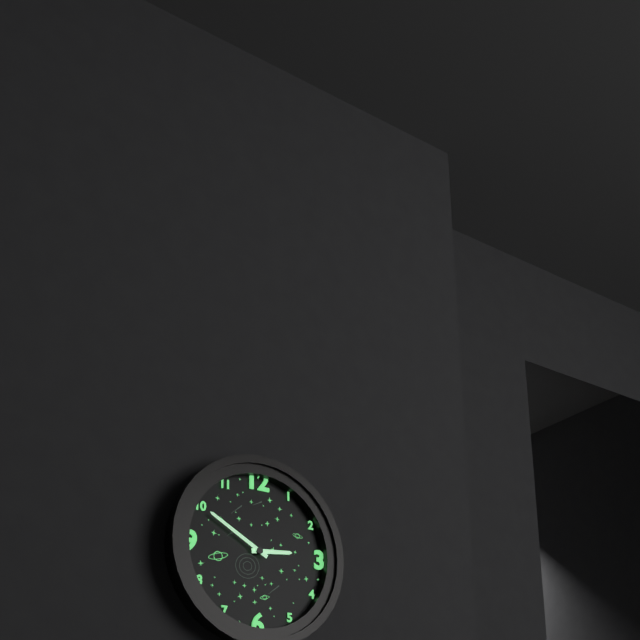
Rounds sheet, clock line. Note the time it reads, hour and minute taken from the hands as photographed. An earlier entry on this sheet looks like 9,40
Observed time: 2,50
